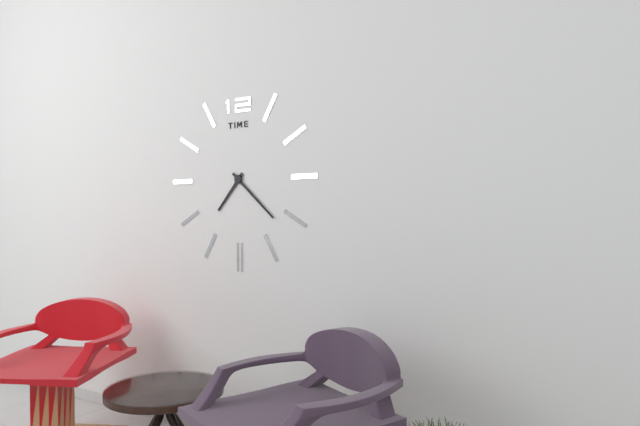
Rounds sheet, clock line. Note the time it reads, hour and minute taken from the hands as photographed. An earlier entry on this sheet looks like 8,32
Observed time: 7,22
